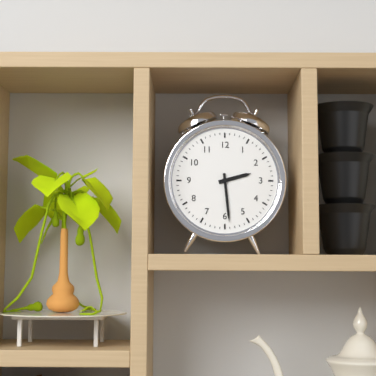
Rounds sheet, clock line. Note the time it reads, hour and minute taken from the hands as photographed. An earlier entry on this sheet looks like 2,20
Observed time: 2,29
